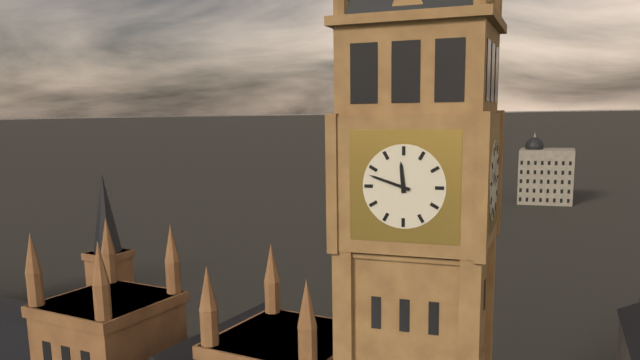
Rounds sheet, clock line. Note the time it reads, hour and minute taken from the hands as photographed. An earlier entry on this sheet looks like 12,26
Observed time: 11,48
